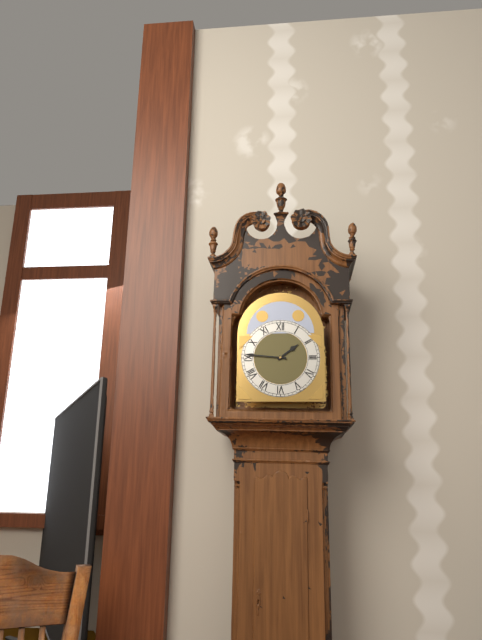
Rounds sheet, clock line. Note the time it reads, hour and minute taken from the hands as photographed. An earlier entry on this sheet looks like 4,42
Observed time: 1,46
